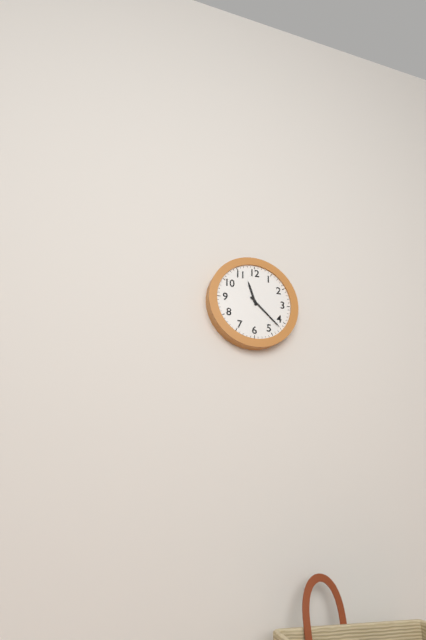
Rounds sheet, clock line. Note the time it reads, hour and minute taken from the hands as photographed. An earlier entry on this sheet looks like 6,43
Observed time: 11,22
